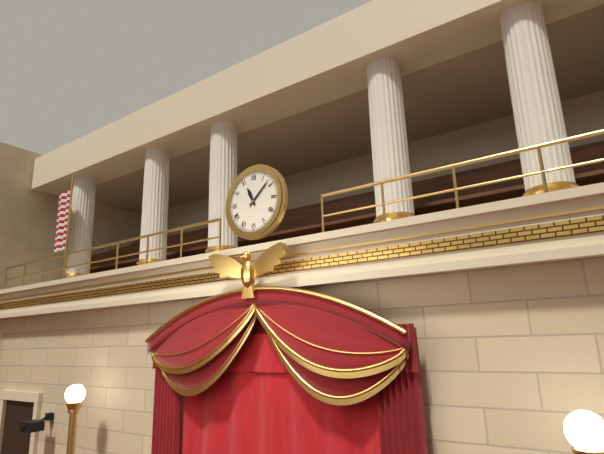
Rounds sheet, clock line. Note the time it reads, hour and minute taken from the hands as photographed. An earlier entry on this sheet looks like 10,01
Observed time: 11,08
